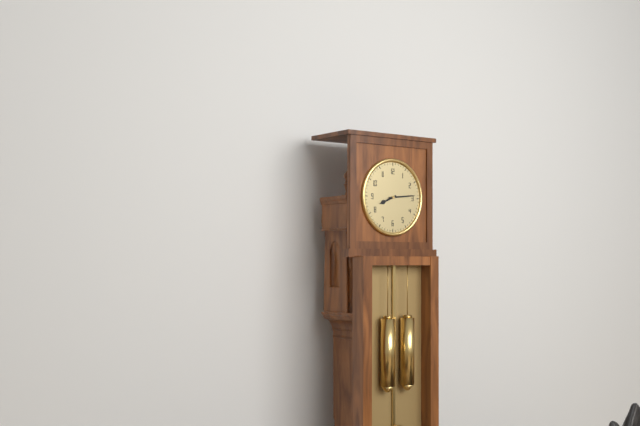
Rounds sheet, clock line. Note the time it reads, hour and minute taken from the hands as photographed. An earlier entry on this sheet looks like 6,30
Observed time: 8,14
